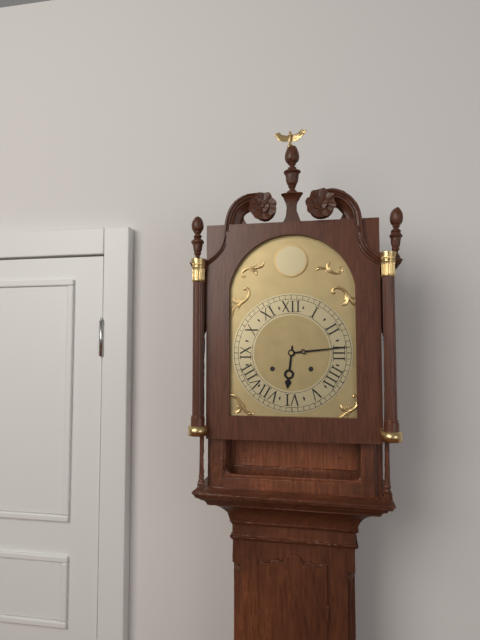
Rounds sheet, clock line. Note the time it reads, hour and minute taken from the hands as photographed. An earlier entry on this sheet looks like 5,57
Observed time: 6,14
